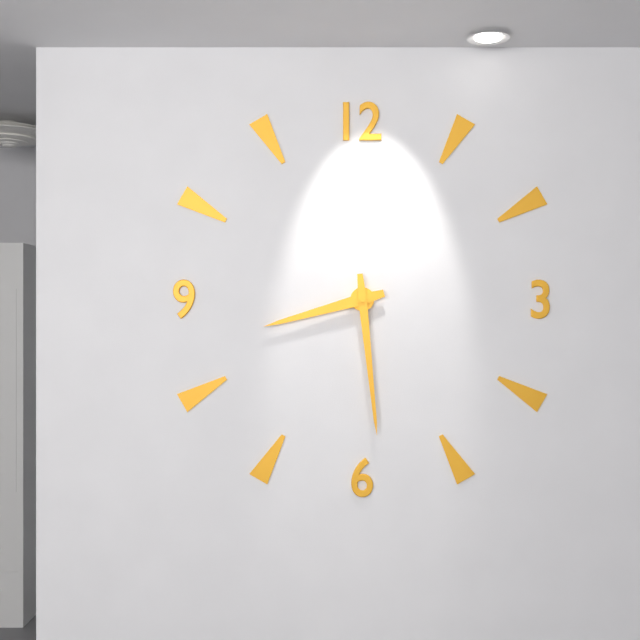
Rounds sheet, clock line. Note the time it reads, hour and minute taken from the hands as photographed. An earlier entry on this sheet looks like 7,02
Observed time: 8,29
